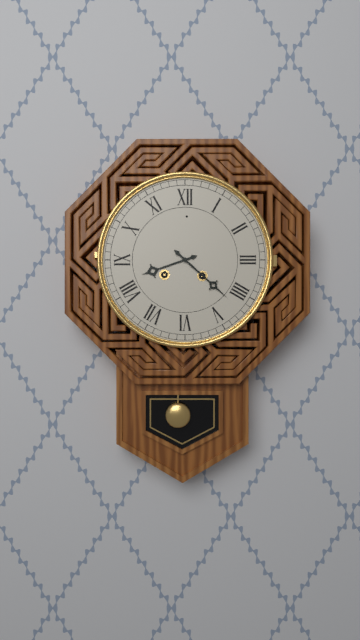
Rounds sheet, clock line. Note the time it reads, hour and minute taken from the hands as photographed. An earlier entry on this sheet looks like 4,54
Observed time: 8,22
